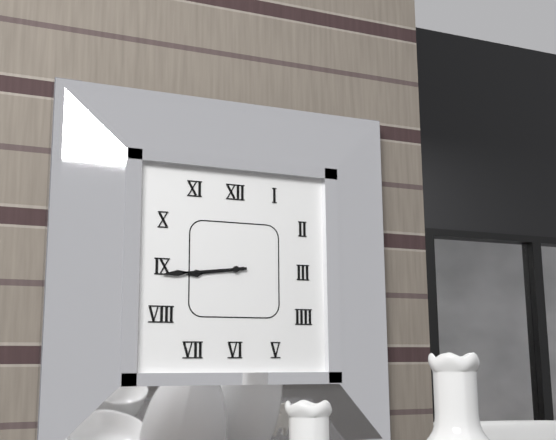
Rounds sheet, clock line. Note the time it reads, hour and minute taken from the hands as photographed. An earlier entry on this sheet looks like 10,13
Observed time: 8,44
